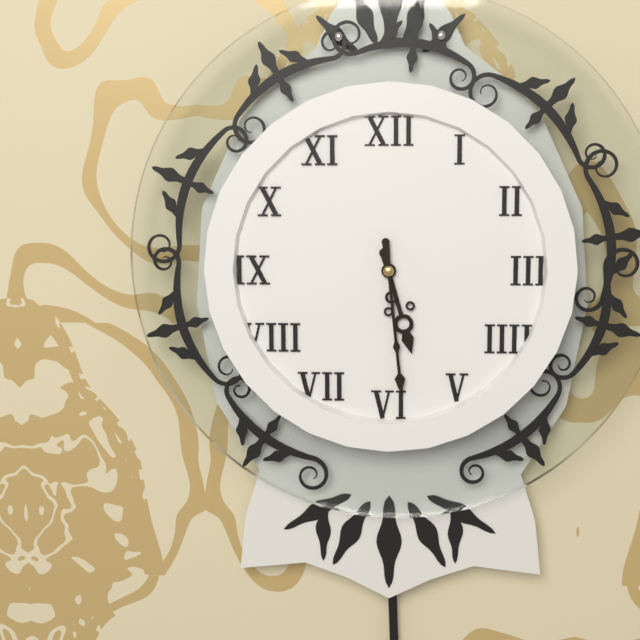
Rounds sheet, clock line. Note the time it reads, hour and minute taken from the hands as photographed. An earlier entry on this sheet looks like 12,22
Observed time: 5,29
